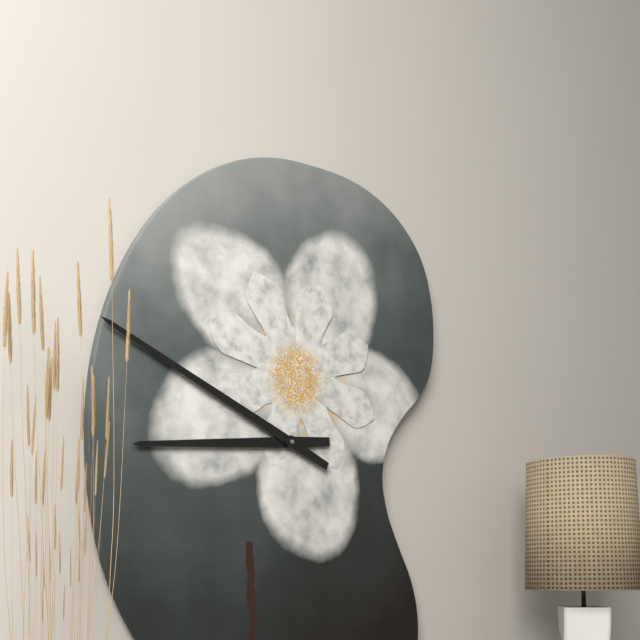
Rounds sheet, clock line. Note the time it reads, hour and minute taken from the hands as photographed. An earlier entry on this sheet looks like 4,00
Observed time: 8,49
